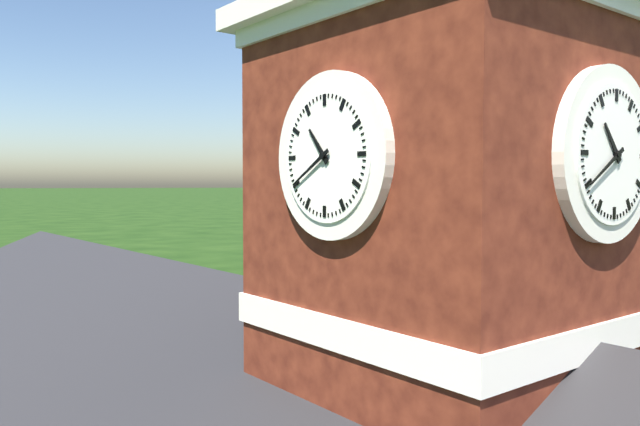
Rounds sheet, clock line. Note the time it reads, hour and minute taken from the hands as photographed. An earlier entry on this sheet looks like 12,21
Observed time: 10,40
